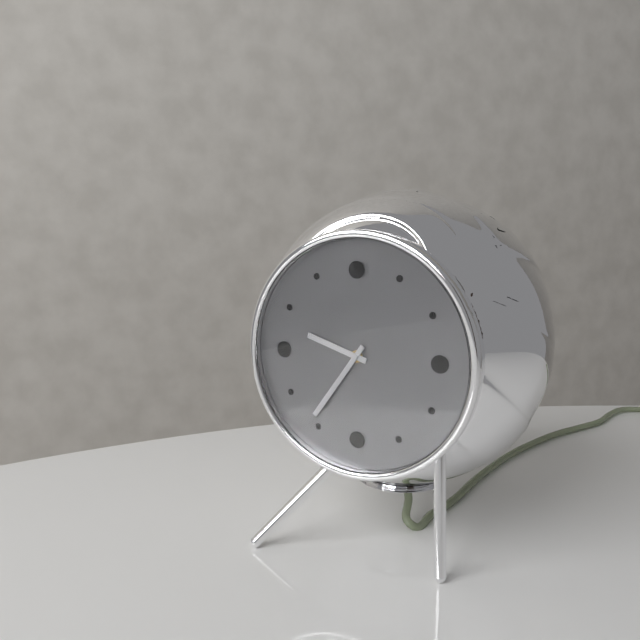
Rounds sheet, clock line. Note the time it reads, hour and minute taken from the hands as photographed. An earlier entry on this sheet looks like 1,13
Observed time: 9,36
